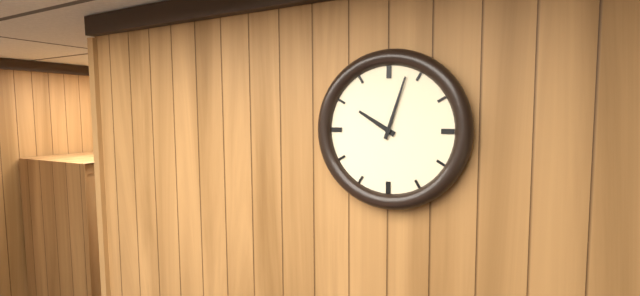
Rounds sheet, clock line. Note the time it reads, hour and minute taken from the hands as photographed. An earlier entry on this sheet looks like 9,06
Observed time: 10,03
